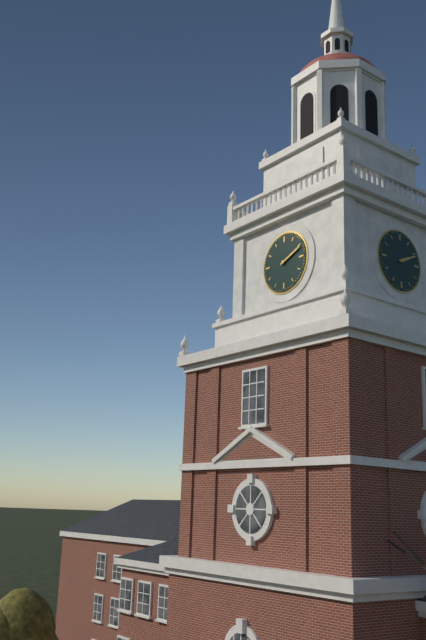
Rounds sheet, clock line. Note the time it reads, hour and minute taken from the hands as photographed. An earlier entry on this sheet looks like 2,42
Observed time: 2,11
